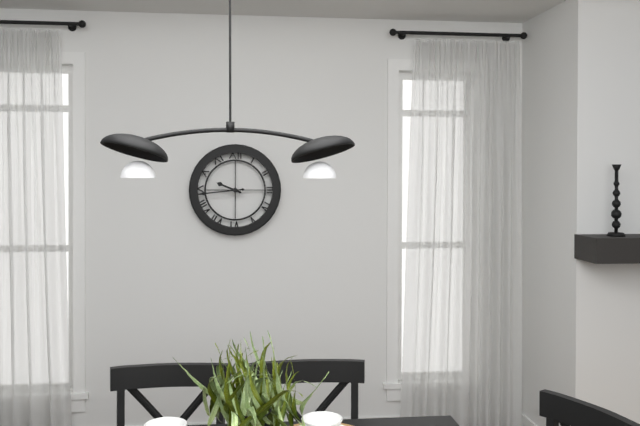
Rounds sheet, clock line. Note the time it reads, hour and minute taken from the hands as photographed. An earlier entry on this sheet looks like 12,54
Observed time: 9,44
